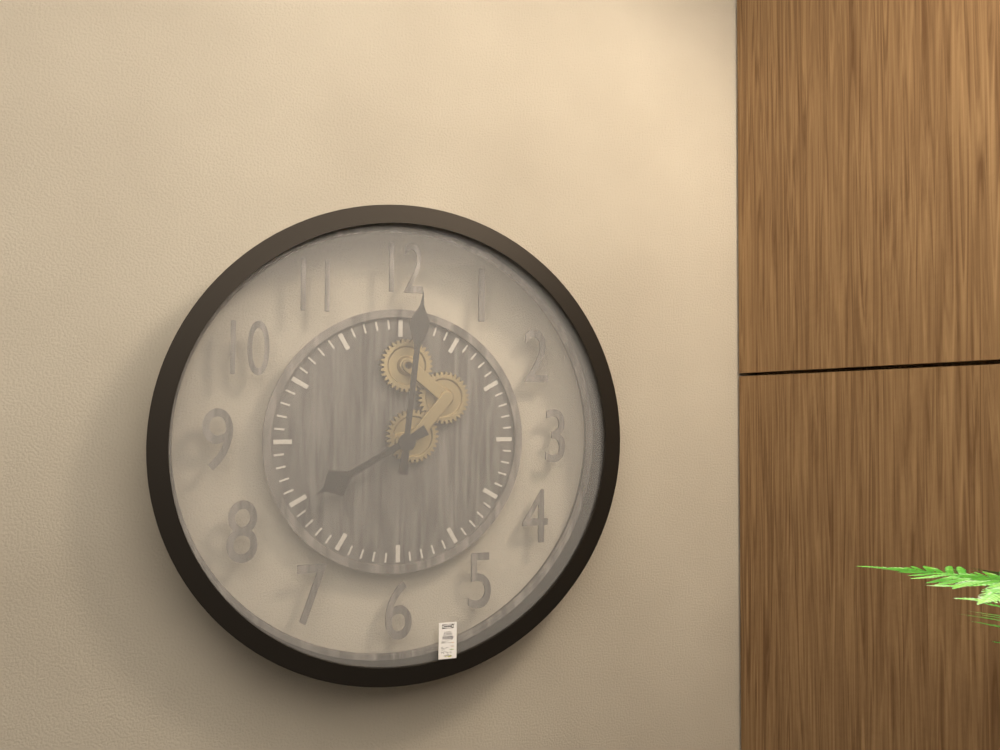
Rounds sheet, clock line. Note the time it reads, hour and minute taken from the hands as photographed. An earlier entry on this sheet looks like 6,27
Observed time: 8,01
